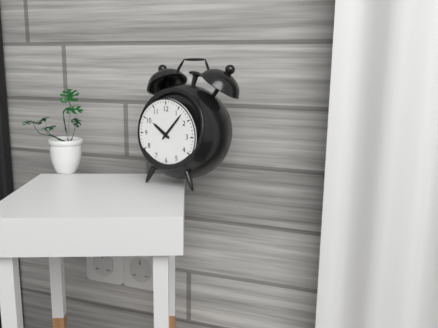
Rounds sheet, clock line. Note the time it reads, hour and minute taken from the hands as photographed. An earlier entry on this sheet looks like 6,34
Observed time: 10,07
